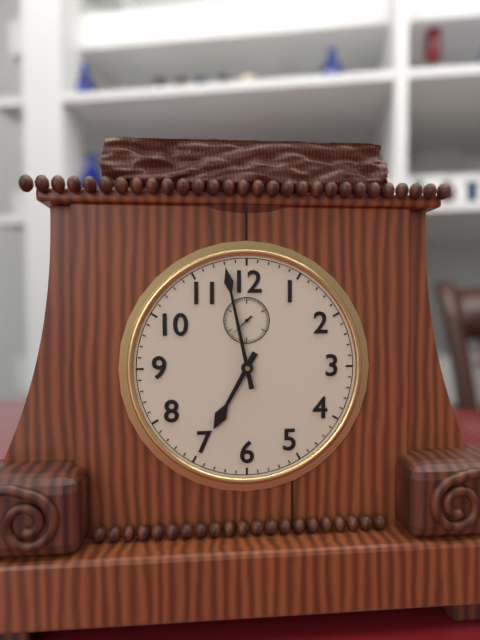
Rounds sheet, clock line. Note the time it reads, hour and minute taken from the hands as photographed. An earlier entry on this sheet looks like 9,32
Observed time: 6,58
